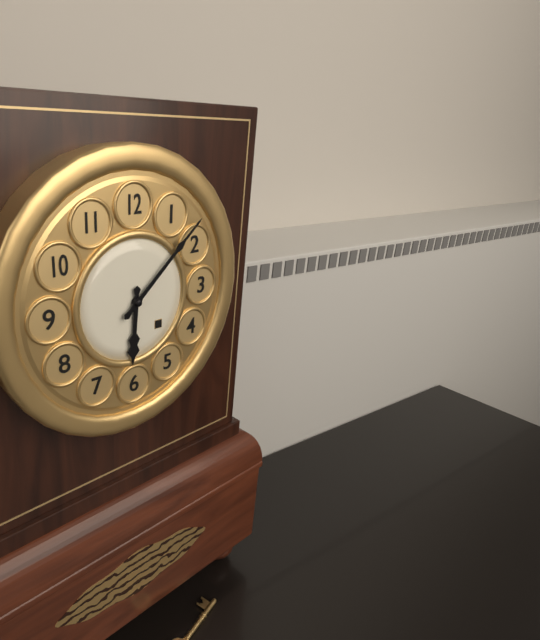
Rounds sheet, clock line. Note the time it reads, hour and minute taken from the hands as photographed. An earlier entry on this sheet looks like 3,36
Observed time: 6,08
